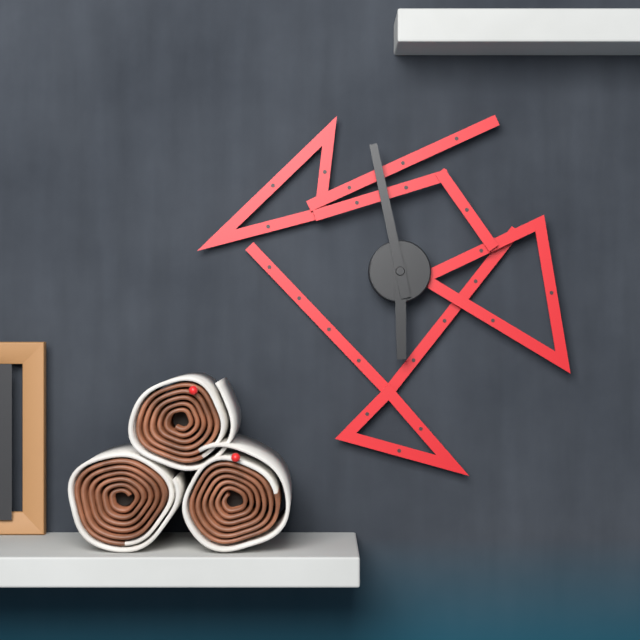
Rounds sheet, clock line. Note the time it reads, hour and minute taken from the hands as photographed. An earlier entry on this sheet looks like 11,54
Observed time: 5,58
